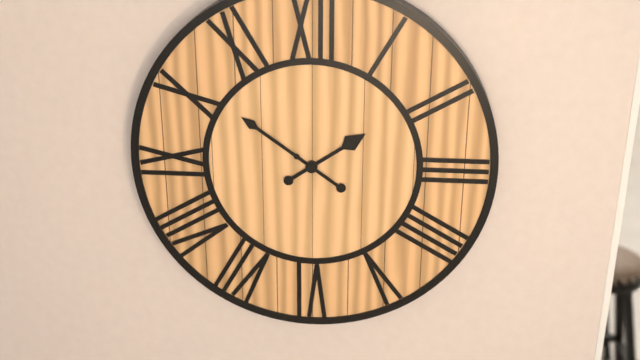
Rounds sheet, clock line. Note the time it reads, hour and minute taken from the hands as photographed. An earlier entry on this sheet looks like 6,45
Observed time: 1,51
